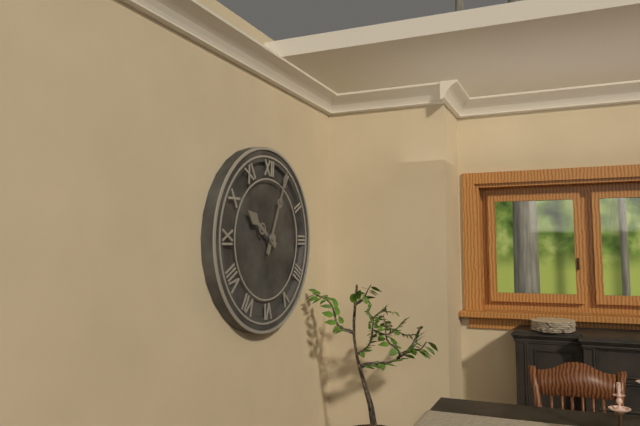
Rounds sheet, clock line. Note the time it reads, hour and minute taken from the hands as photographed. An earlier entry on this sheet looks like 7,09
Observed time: 10,04
